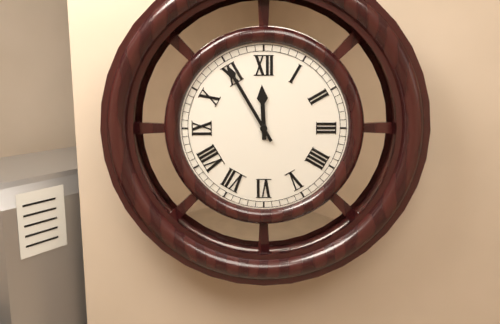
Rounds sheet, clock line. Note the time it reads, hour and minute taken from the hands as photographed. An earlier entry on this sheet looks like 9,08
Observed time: 11,55
